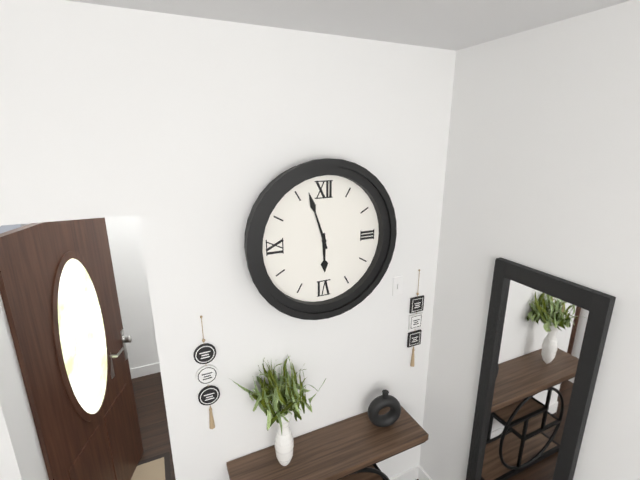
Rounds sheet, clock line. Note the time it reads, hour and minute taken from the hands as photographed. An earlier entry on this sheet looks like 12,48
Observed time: 5,57
